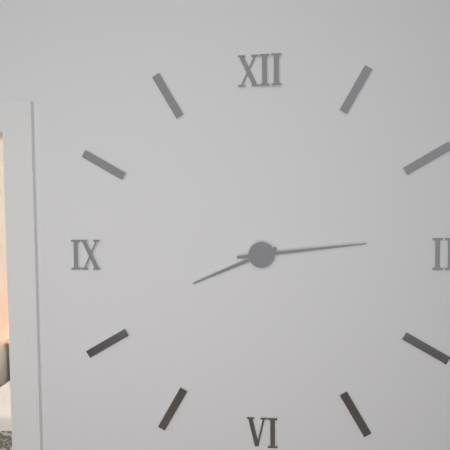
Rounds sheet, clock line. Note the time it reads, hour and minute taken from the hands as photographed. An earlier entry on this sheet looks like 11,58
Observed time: 8,14
